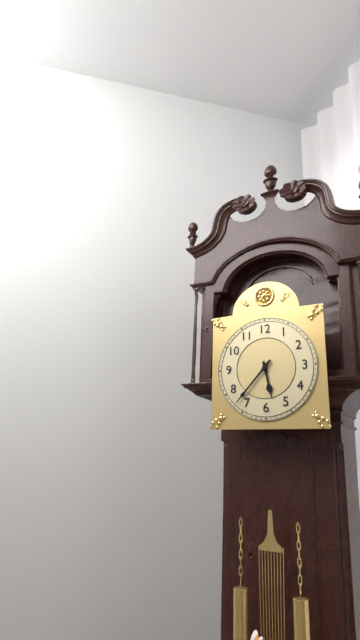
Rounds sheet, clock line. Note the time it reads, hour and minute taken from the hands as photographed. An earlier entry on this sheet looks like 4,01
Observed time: 5,37
